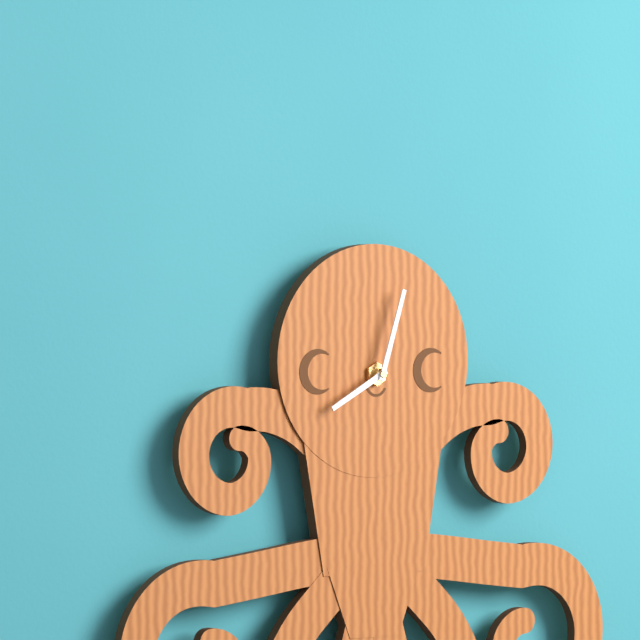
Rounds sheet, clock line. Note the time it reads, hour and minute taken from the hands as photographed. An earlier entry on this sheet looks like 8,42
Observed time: 8,03
